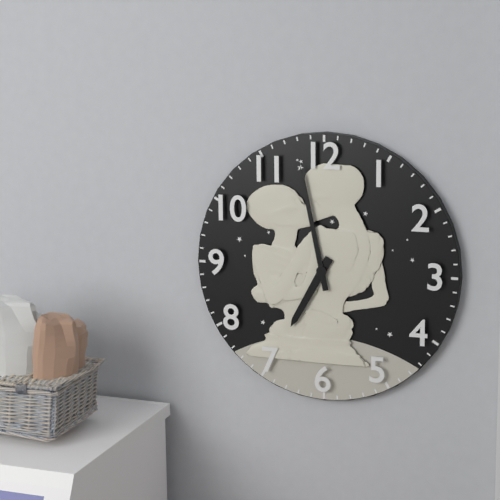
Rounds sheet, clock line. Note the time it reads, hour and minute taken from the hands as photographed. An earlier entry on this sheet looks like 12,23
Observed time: 6,58
